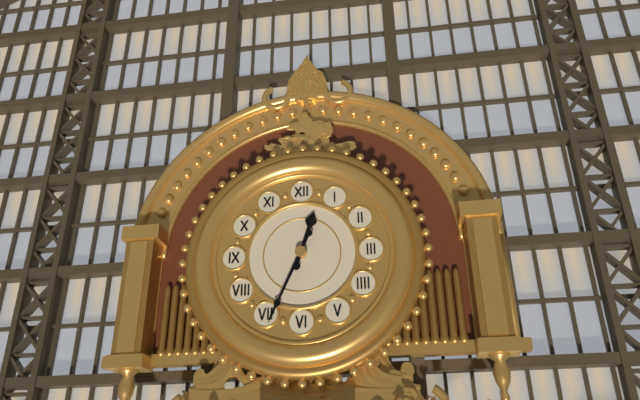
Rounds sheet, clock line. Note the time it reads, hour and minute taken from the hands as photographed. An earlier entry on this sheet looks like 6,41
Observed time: 12,34
